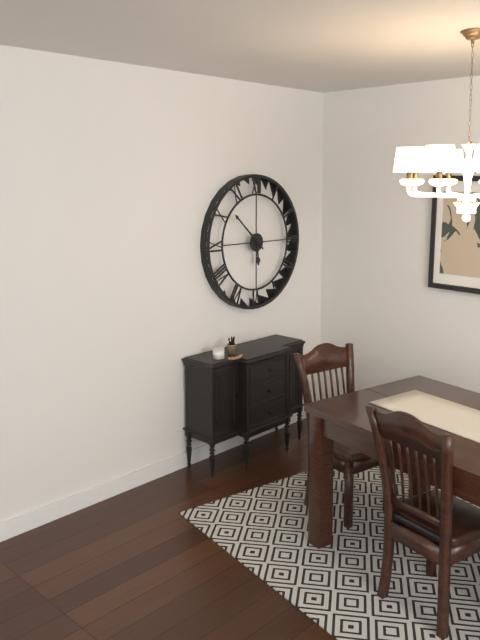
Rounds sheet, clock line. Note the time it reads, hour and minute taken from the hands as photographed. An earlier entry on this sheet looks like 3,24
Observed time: 5,52
